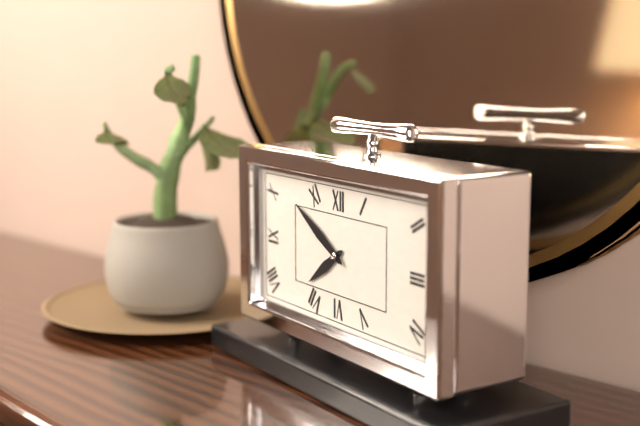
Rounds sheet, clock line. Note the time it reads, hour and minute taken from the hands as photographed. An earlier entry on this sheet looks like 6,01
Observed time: 7,50
